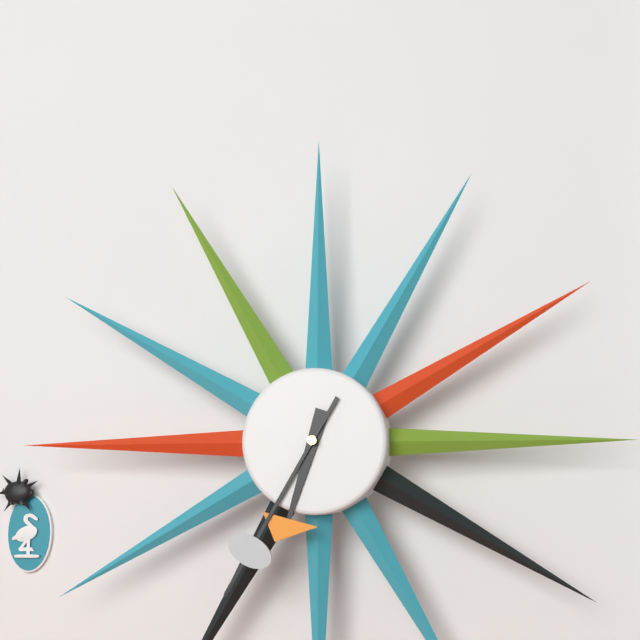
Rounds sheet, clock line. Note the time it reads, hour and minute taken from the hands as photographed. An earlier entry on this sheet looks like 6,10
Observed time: 6,35
